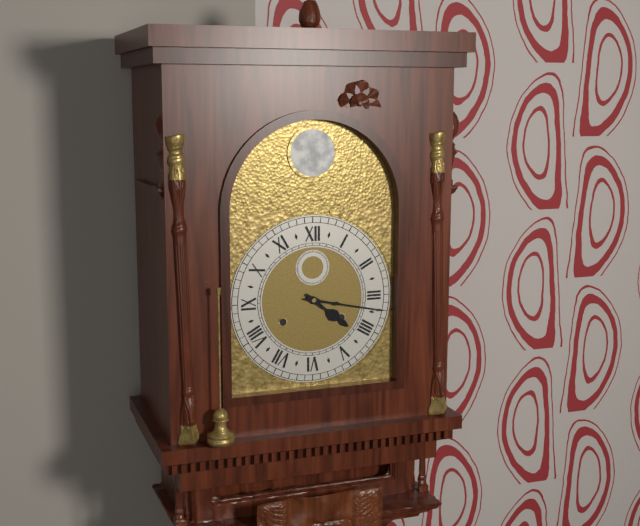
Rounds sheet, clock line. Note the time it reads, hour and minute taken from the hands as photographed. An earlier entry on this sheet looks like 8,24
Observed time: 4,17
